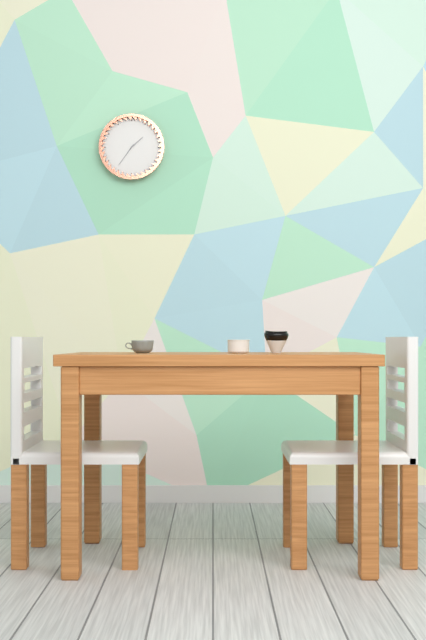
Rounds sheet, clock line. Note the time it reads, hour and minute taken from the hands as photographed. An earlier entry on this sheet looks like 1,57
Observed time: 1,36
